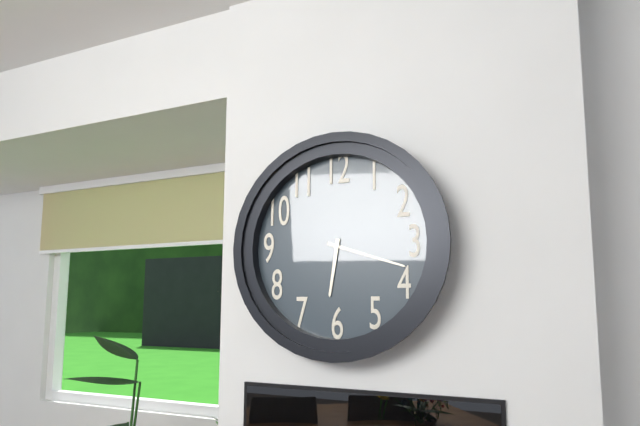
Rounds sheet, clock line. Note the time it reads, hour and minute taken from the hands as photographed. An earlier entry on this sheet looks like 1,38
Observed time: 6,18
